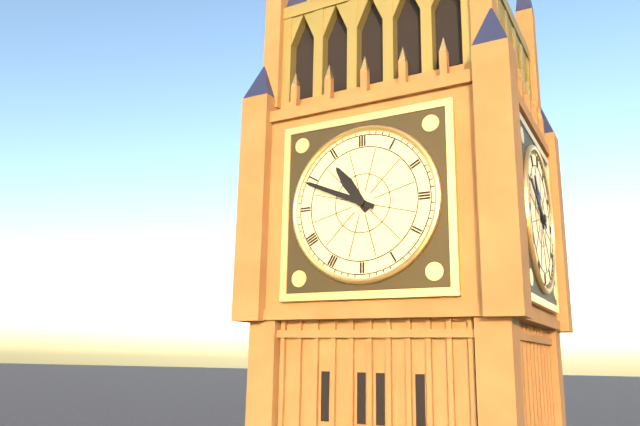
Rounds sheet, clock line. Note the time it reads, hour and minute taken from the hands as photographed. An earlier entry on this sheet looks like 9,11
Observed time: 10,49
